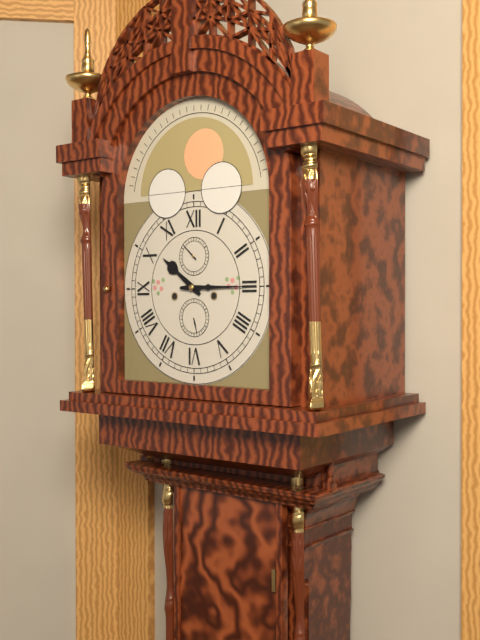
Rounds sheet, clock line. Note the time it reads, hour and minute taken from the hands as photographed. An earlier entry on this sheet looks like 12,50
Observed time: 10,15
